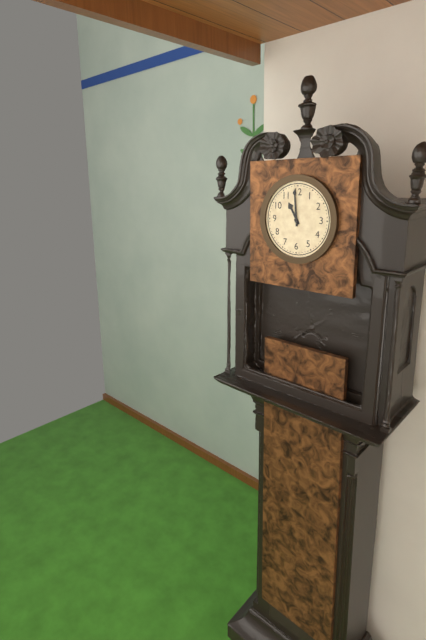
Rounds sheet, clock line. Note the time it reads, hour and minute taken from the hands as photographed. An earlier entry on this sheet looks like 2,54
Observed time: 10,59
